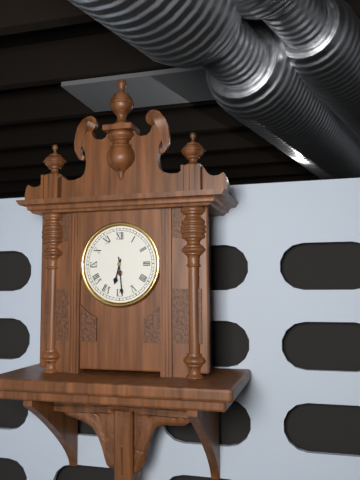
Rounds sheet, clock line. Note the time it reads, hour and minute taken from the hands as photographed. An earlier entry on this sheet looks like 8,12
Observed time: 6,29
